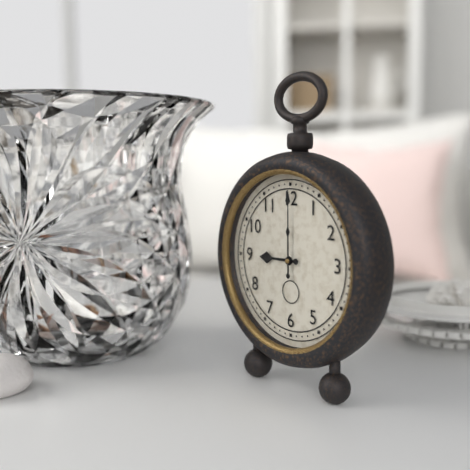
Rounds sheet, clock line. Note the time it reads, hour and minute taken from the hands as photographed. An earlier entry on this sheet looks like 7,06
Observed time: 9,00
